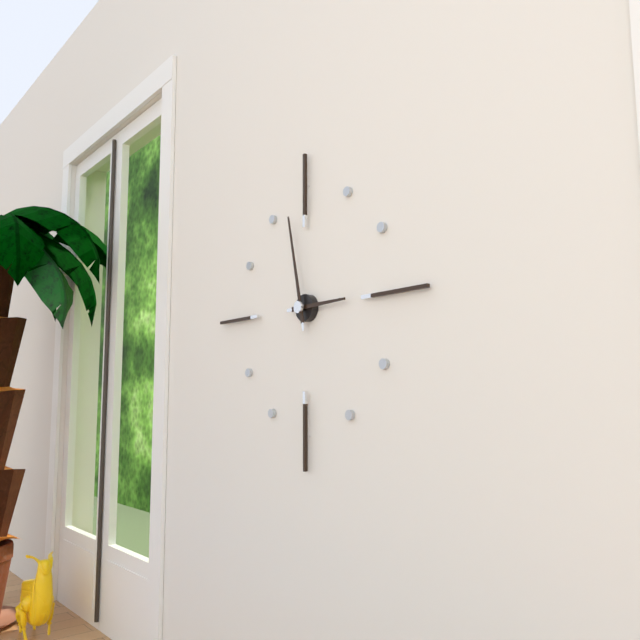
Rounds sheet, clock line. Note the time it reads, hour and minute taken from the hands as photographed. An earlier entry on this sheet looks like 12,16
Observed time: 2,58
